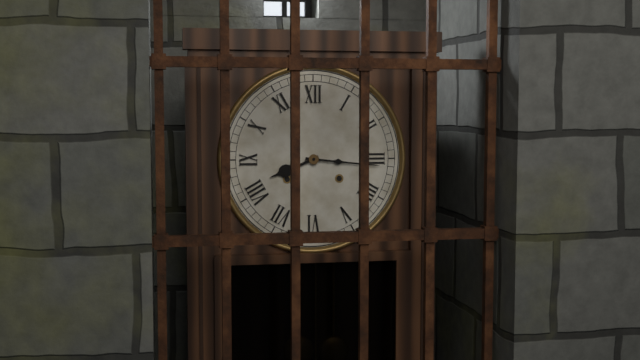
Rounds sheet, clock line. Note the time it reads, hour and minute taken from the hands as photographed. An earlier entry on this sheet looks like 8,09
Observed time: 8,16
